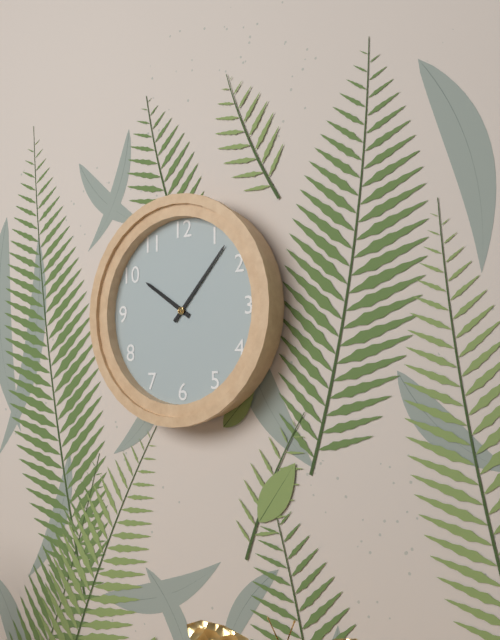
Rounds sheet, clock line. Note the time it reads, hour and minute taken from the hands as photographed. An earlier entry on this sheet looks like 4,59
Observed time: 10,07
